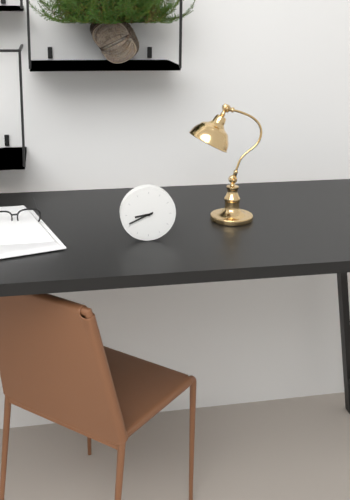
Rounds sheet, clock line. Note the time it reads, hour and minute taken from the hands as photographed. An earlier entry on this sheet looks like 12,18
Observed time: 8,41
